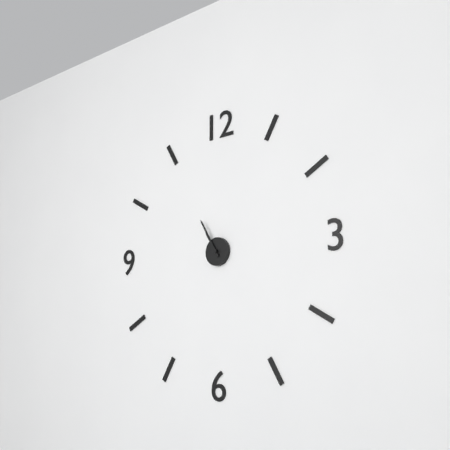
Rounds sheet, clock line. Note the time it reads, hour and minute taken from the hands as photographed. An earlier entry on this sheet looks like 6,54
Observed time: 10,55
